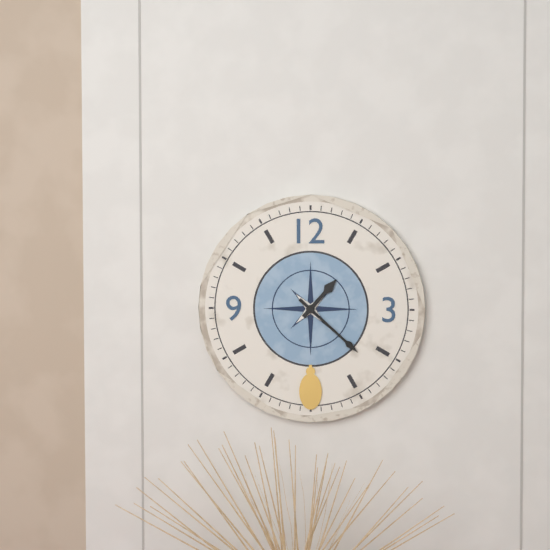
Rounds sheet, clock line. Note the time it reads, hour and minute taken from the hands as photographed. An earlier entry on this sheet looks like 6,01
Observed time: 1,22
